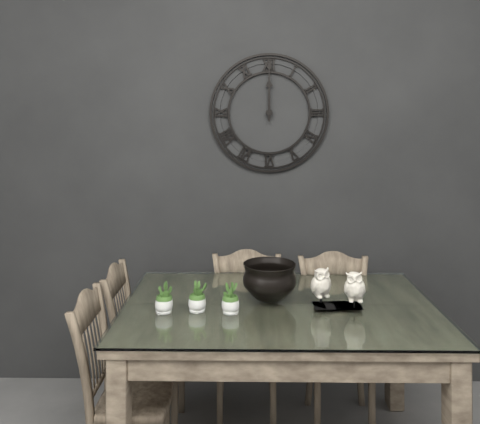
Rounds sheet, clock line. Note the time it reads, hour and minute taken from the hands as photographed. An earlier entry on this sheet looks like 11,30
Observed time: 12,00
